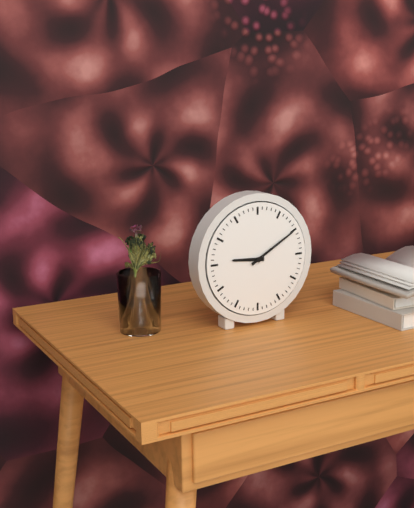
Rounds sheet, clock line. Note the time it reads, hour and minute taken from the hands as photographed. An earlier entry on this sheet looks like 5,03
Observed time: 9,10
